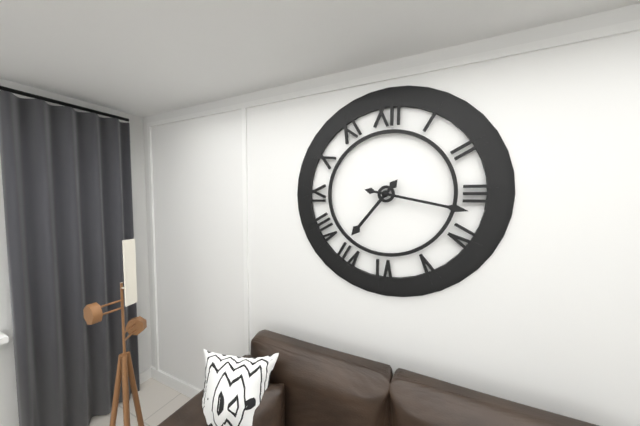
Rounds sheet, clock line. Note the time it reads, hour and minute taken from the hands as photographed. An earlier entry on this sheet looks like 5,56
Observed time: 7,17
